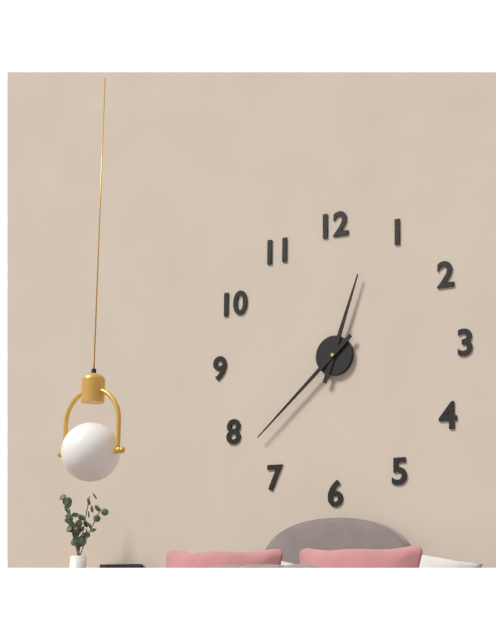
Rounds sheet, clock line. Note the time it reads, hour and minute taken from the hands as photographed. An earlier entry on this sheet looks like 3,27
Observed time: 12,38
